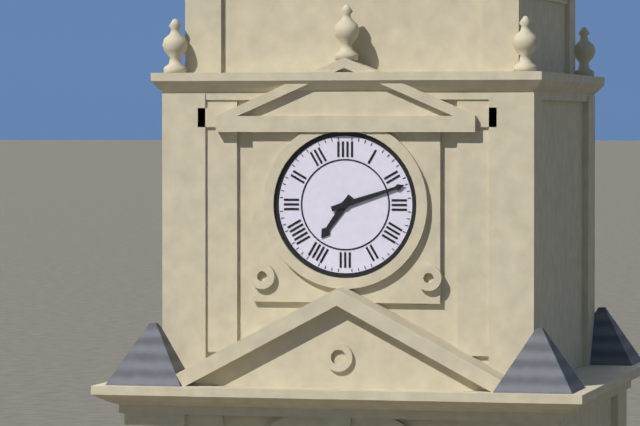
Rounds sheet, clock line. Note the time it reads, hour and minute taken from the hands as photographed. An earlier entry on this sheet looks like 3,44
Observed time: 7,12
